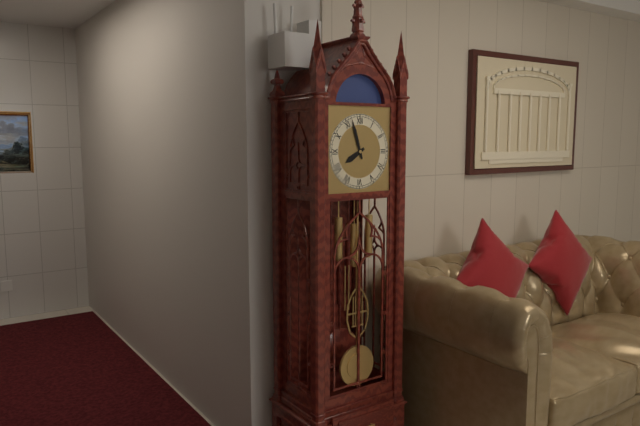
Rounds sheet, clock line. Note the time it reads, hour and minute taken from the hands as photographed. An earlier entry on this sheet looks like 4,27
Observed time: 7,57
